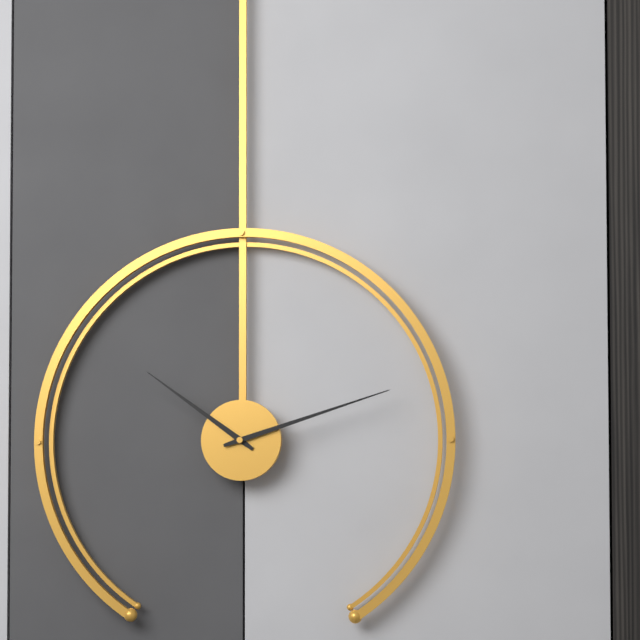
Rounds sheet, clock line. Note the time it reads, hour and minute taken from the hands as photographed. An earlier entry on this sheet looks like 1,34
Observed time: 10,12
